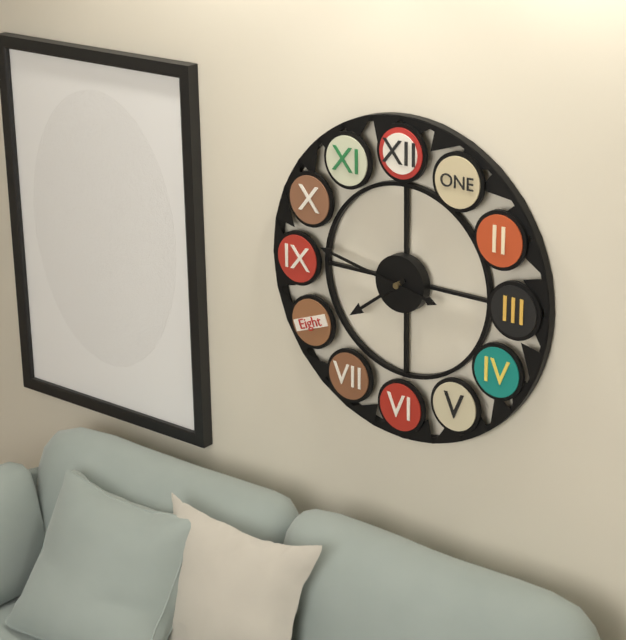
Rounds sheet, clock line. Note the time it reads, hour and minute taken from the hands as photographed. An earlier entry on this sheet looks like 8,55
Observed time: 7,47
